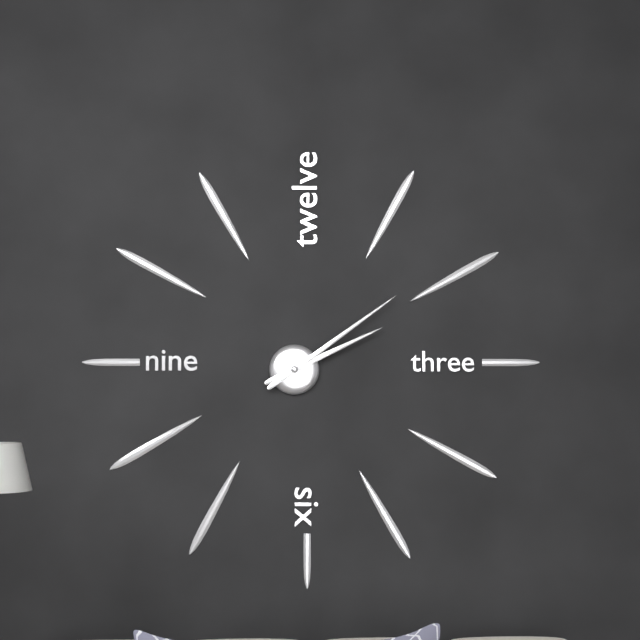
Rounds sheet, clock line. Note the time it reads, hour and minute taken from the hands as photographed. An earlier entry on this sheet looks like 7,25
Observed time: 2,09
